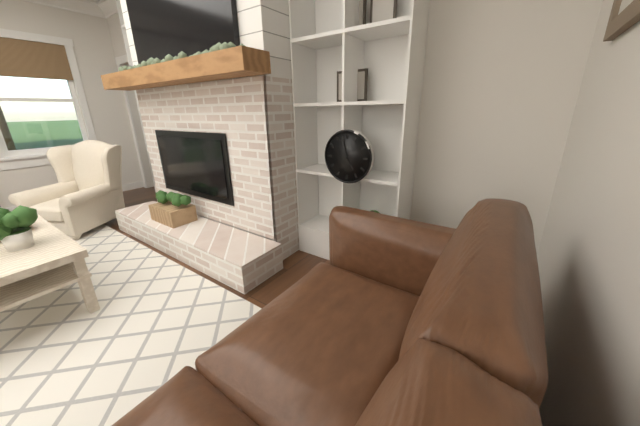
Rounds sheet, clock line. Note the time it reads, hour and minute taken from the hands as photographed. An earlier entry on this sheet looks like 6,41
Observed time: 4,58
